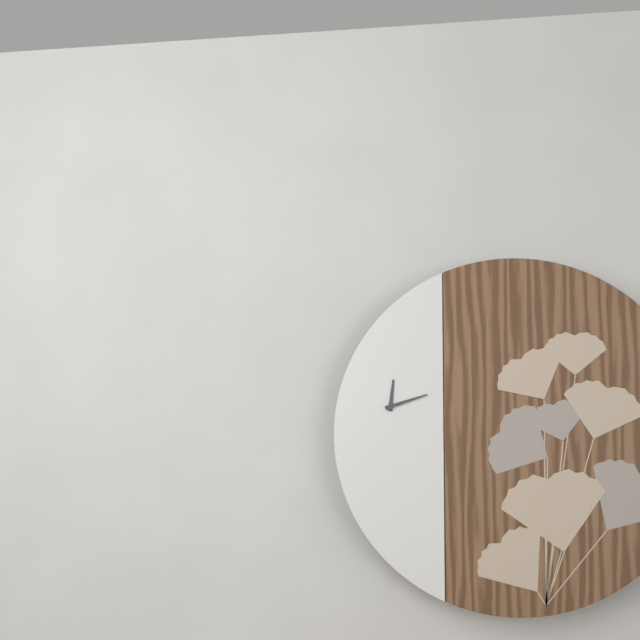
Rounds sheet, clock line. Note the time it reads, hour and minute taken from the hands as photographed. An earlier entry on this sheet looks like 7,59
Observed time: 12,12
